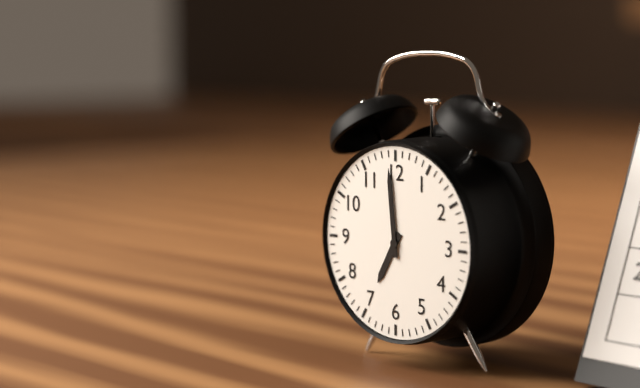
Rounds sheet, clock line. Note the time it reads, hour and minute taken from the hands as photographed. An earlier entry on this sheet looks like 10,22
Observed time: 6,59
